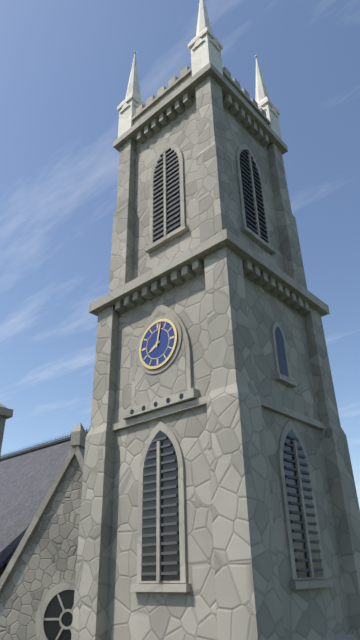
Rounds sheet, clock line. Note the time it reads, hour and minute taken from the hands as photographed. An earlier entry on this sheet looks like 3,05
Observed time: 8,02
